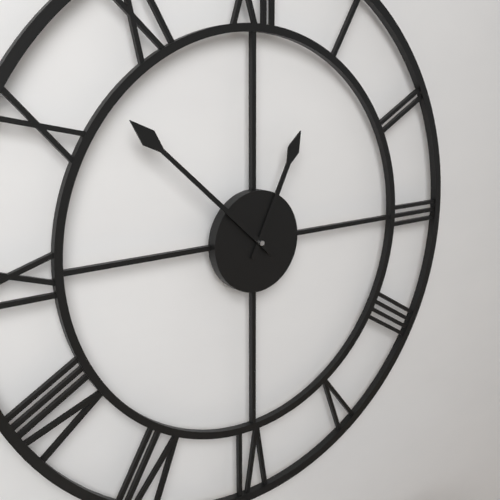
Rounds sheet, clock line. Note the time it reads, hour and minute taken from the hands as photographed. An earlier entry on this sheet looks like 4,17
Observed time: 12,52
